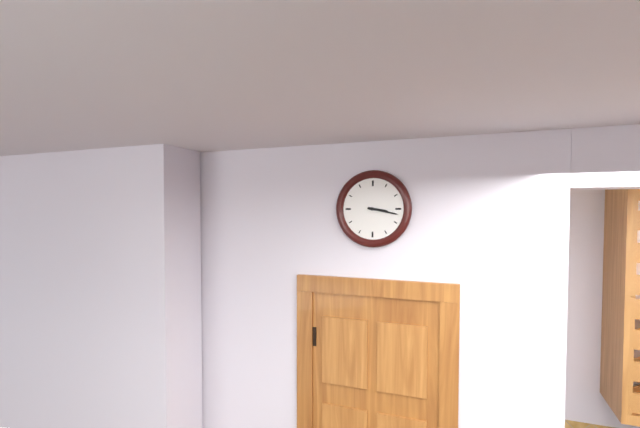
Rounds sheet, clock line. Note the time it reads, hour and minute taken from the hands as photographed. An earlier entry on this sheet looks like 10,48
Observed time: 3,17
